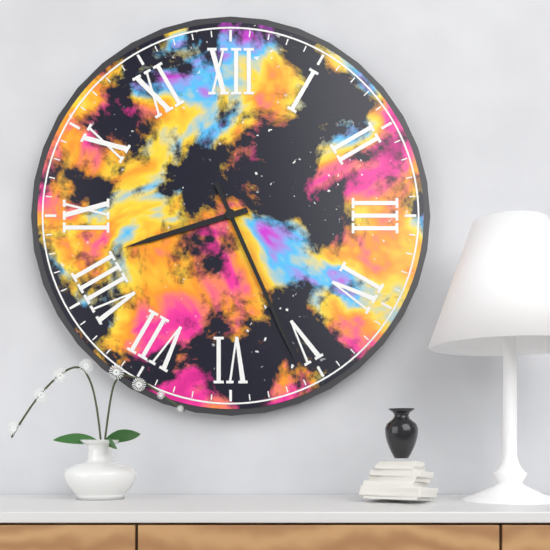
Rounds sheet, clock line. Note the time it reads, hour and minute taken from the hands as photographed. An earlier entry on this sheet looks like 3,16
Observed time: 8,26
